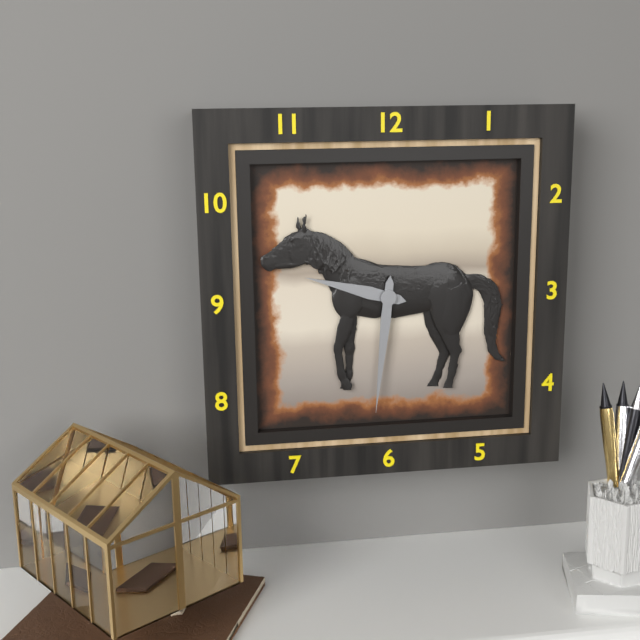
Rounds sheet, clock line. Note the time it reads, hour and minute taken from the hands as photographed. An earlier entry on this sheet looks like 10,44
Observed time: 9,31
